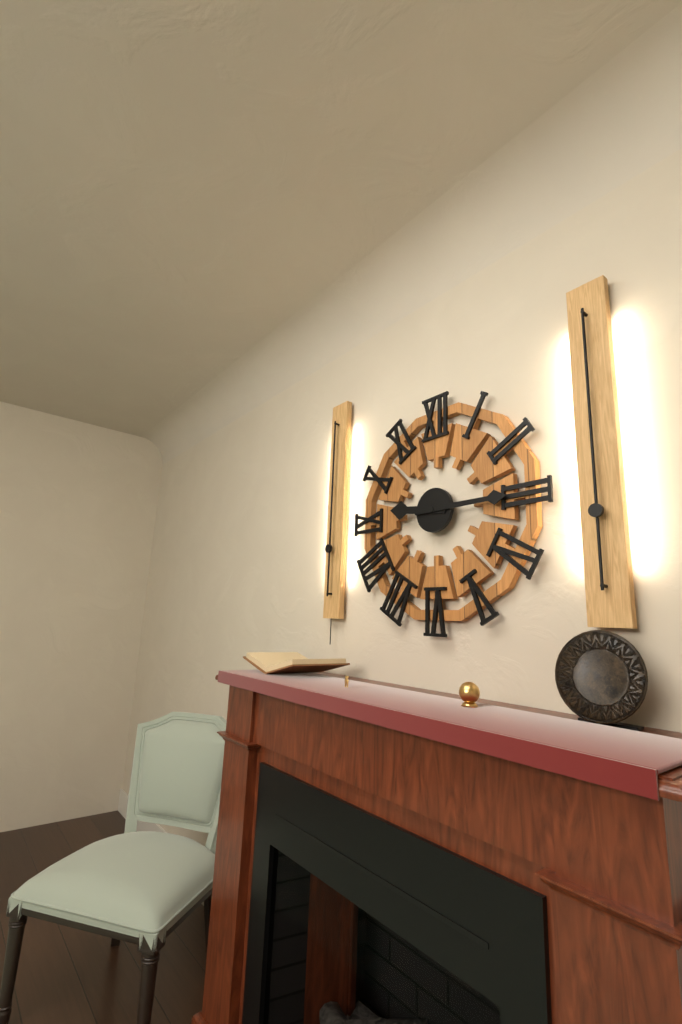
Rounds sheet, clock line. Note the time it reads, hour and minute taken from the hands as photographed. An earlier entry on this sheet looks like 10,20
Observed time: 9,15
